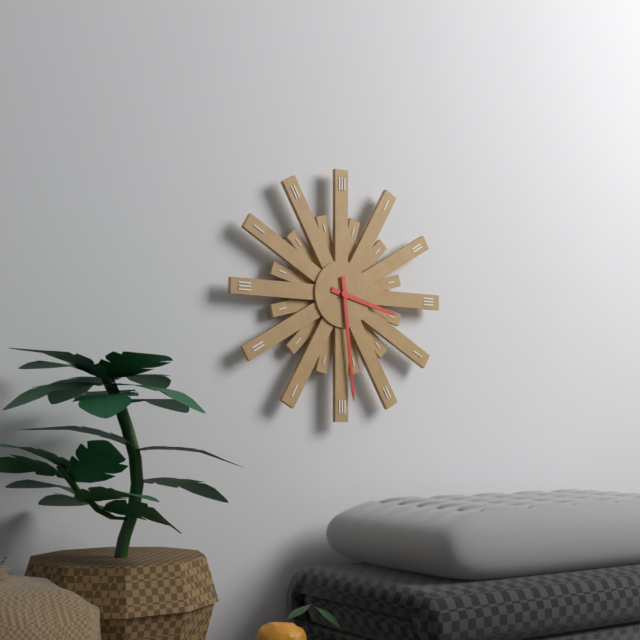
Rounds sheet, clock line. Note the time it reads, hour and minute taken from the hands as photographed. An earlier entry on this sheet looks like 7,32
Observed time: 3,29
